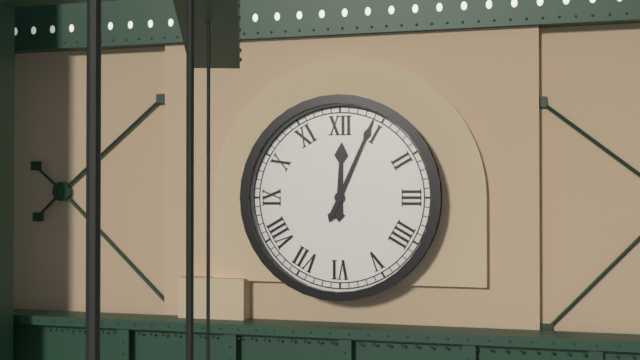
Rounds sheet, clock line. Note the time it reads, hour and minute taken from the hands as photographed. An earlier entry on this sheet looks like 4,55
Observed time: 12,04
